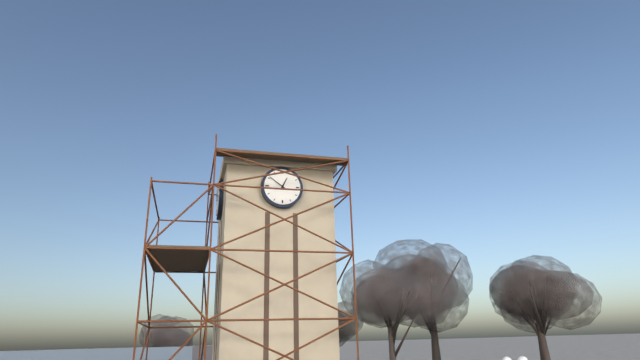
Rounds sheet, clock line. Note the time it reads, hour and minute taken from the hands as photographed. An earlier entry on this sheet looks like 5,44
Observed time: 12,51
